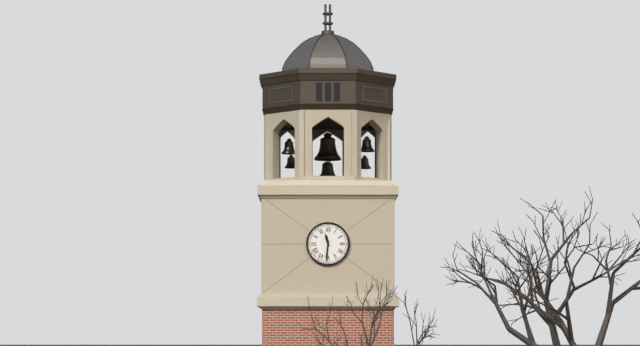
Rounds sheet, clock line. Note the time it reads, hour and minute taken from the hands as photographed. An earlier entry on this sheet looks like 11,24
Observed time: 11,31
